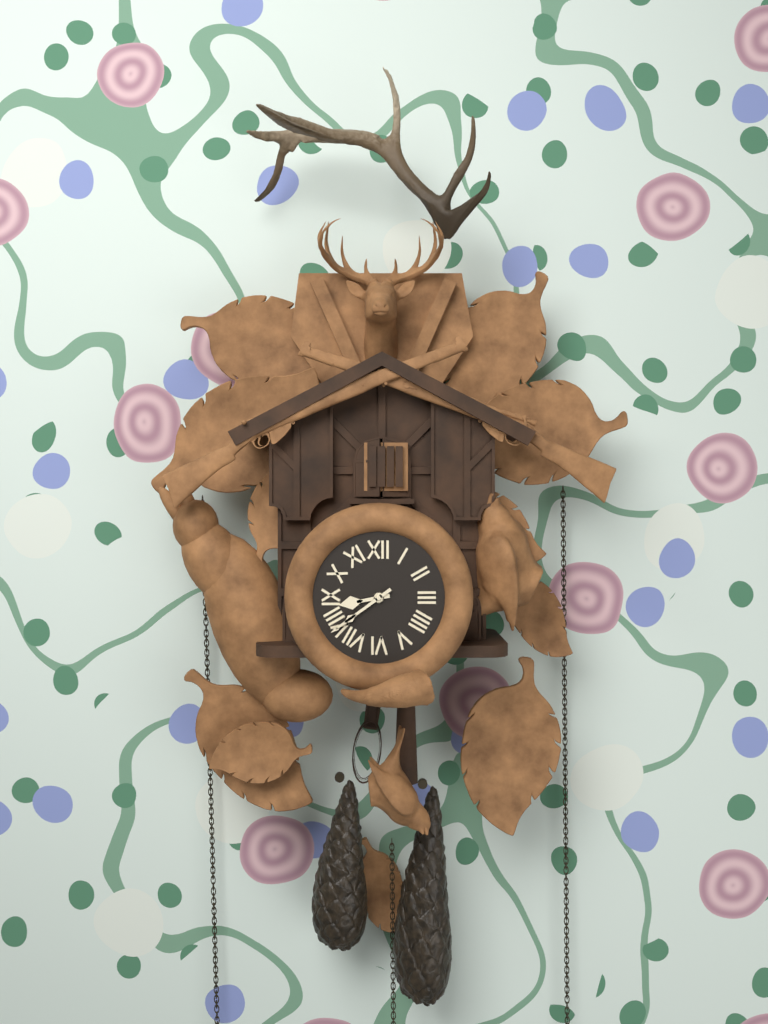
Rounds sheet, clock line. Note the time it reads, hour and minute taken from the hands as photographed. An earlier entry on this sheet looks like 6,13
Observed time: 8,39
